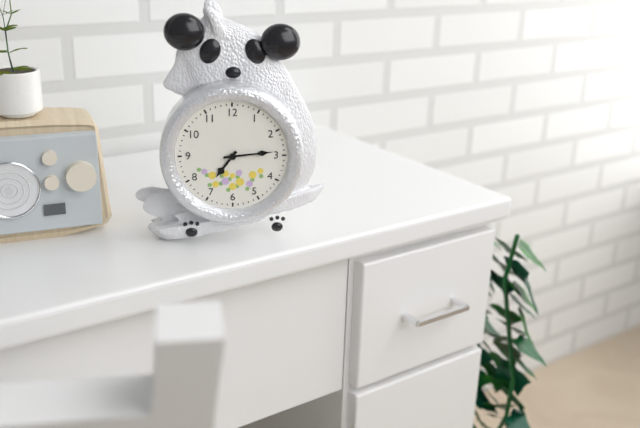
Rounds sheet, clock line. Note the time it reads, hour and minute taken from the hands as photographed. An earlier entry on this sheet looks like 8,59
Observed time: 7,14
